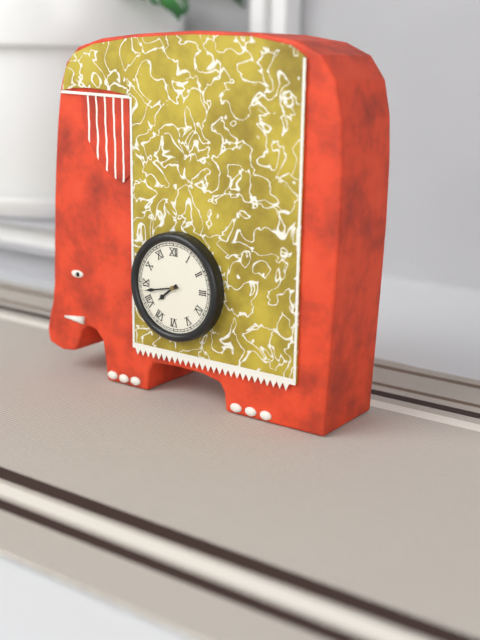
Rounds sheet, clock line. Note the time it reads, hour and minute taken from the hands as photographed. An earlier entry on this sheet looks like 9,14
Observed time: 7,43
